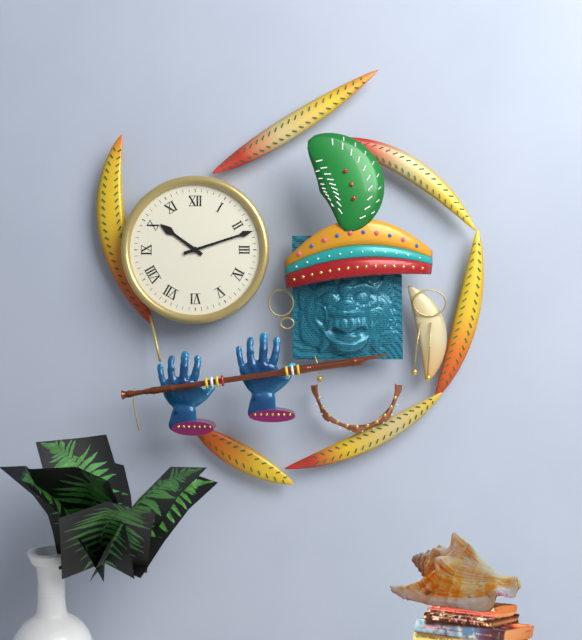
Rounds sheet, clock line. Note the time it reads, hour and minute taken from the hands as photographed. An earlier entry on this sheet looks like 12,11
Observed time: 10,12
